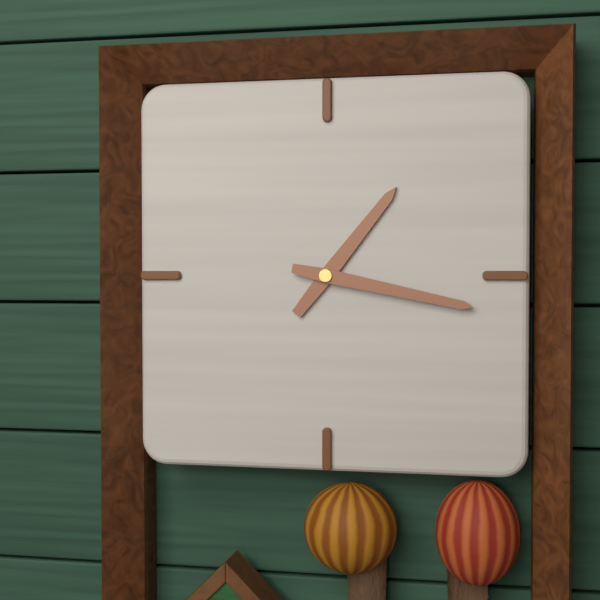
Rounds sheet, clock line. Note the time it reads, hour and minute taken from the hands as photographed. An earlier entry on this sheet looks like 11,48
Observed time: 1,17
